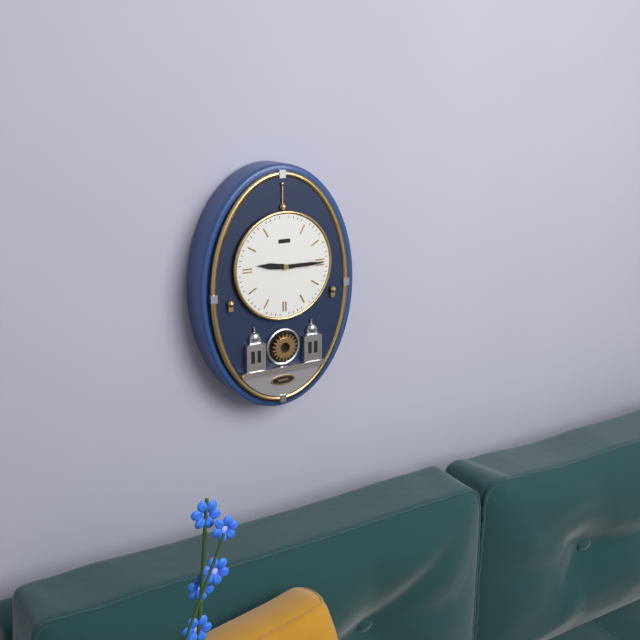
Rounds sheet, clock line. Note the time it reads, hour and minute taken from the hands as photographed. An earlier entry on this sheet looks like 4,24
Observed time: 9,15
